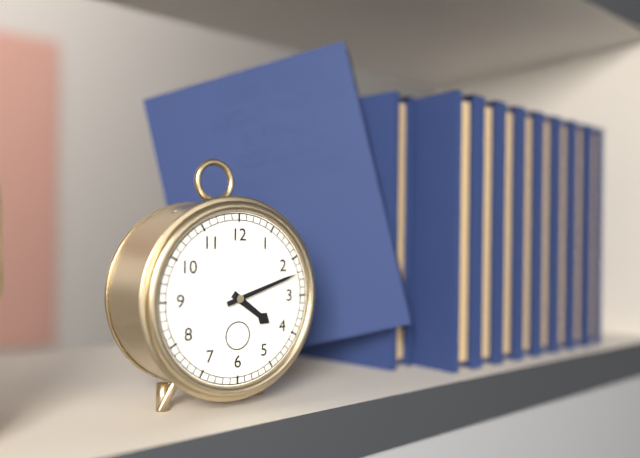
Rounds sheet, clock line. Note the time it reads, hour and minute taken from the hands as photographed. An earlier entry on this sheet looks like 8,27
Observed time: 4,12
